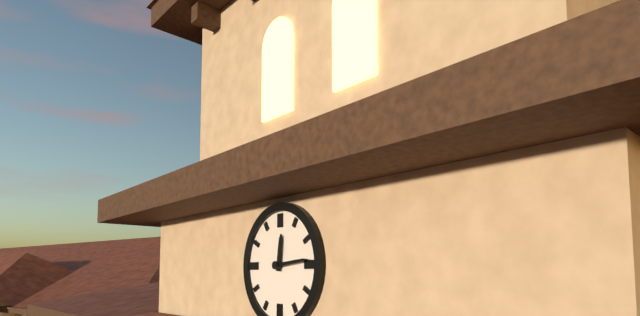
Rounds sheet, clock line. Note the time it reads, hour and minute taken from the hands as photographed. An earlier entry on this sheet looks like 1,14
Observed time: 12,14
